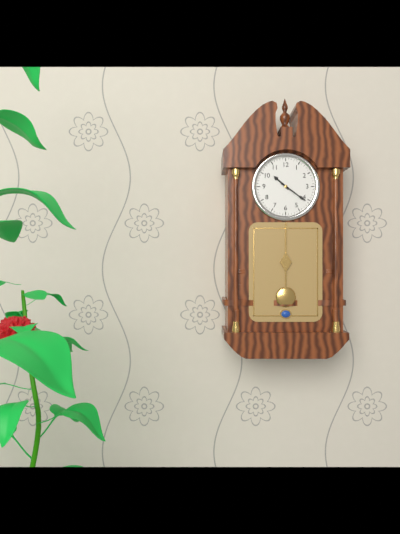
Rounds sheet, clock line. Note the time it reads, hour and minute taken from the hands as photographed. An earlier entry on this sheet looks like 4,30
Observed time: 10,21
